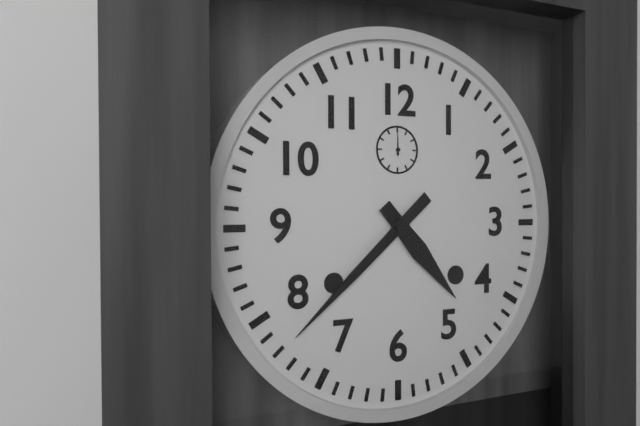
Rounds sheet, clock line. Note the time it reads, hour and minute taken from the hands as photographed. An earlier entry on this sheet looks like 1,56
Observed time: 4,38
